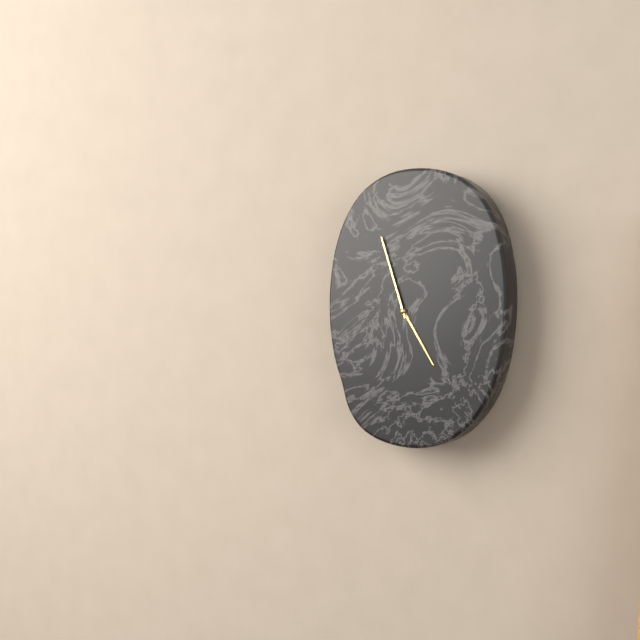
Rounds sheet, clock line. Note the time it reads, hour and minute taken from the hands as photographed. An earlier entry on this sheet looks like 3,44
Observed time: 4,57
